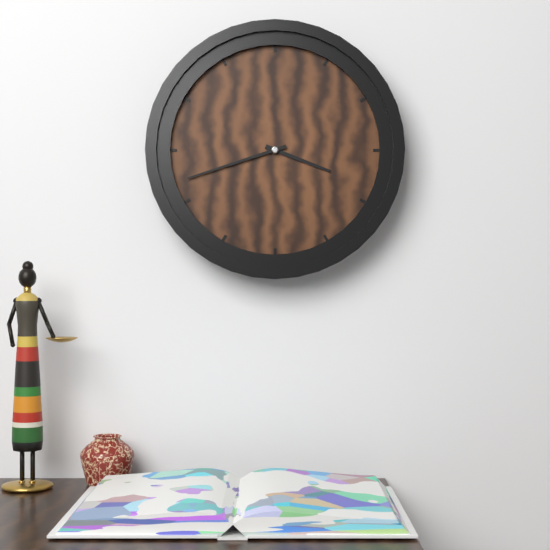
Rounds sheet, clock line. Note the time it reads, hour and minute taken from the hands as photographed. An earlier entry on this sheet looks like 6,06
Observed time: 3,42
